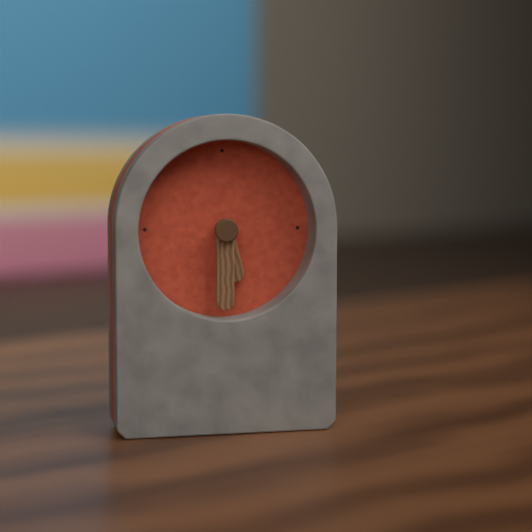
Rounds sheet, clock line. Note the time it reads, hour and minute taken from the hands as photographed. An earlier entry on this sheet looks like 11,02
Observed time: 5,30
